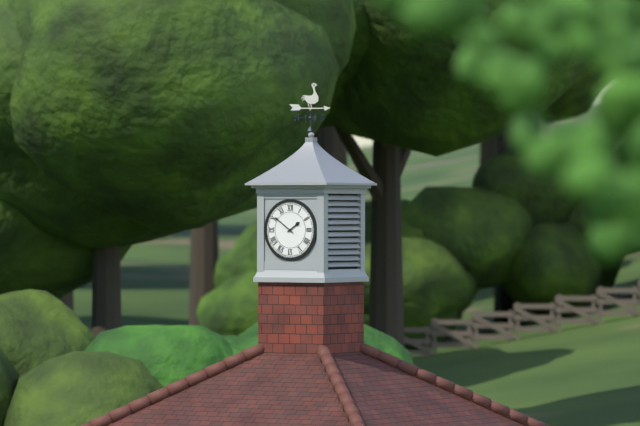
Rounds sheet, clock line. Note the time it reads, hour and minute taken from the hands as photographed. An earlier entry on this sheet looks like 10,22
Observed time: 1,51
